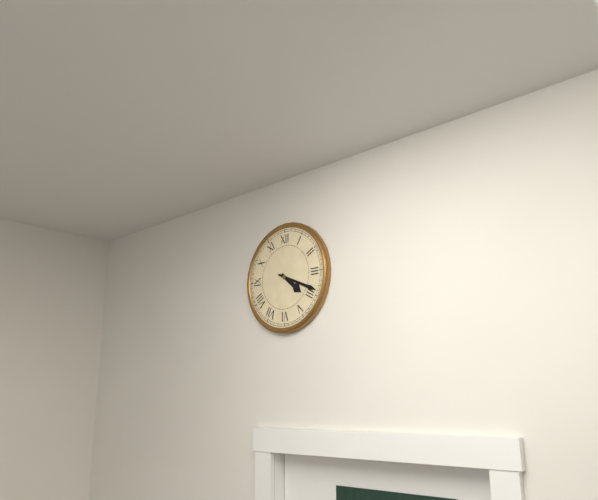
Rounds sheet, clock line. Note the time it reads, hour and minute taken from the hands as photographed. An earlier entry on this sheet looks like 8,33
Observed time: 4,19
